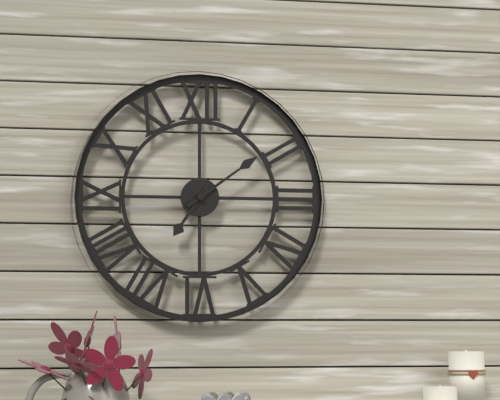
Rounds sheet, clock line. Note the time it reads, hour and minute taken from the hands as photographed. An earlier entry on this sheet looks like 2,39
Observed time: 7,09
